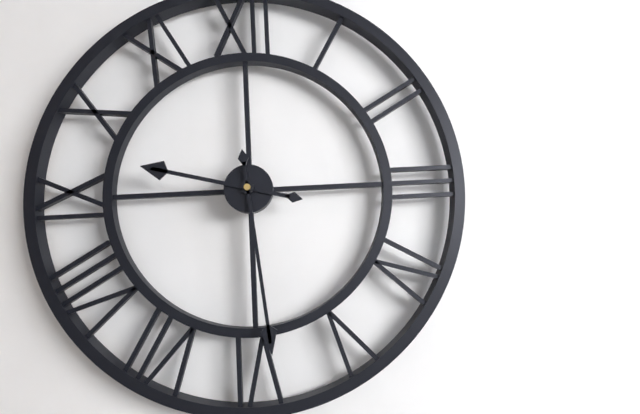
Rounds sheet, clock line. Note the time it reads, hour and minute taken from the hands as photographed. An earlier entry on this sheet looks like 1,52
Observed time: 9,29
